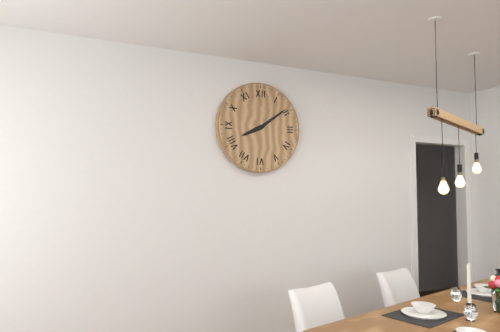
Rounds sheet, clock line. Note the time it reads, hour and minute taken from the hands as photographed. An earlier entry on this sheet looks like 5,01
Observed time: 8,09
